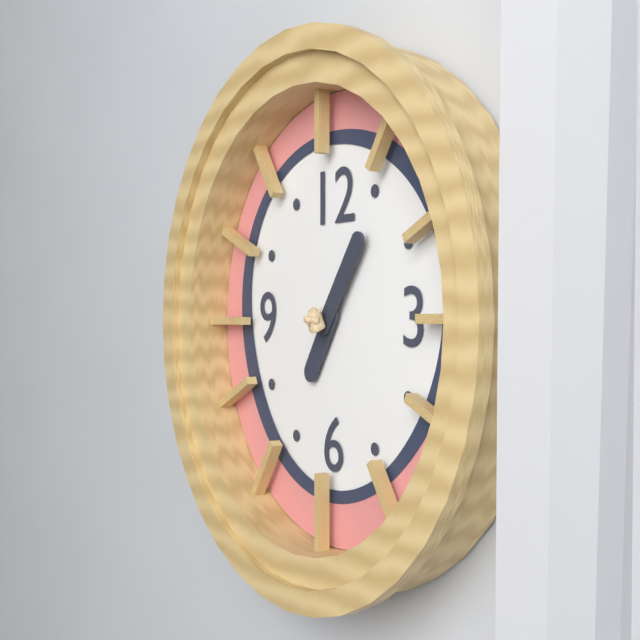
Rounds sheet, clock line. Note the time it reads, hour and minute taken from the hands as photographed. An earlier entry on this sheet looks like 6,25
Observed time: 7,06
